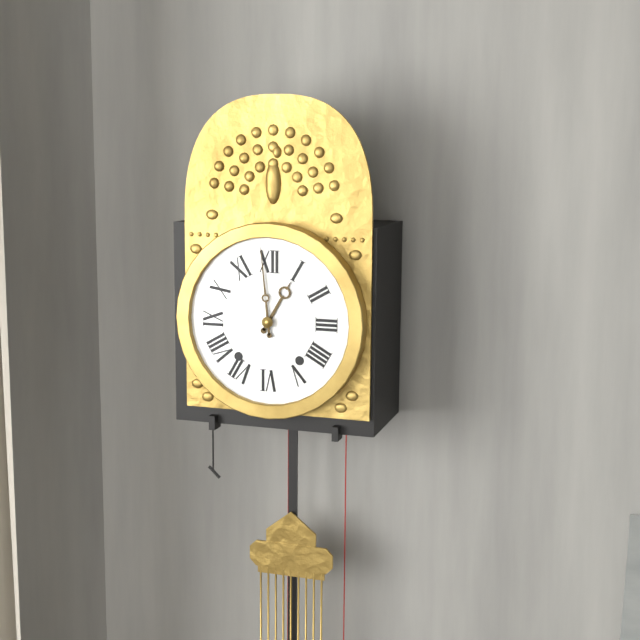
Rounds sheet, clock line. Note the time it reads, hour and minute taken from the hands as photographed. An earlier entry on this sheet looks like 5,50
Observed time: 12,59
